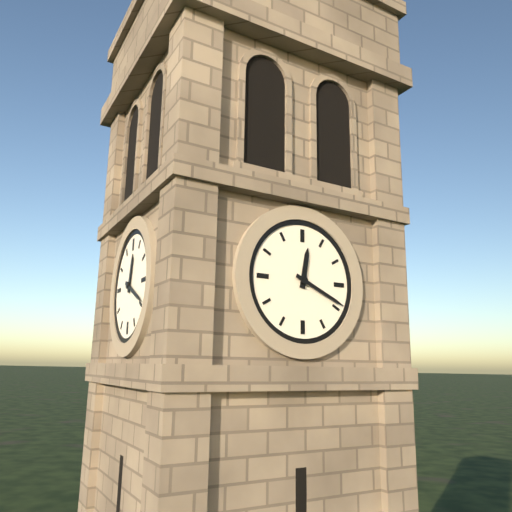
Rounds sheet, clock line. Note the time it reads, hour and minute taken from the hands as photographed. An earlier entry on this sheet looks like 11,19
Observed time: 12,19
